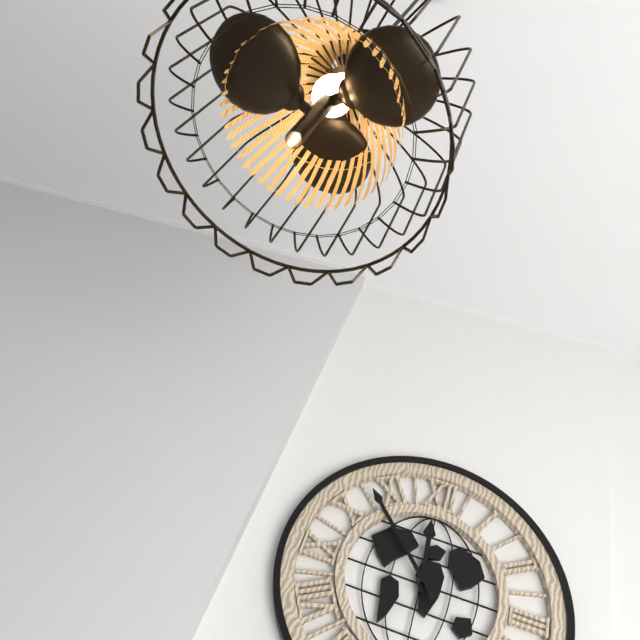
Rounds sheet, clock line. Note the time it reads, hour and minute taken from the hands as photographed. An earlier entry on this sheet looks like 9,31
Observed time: 11,53
